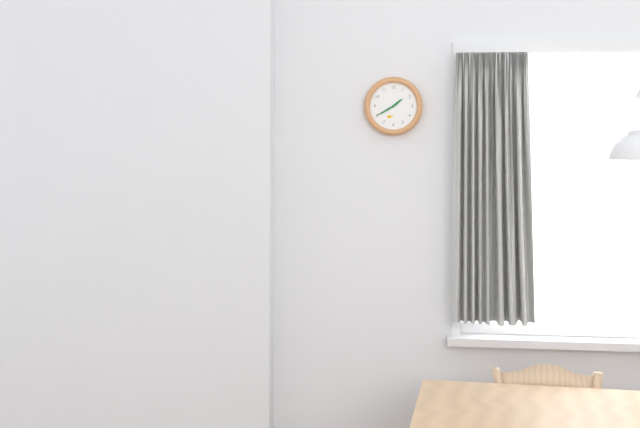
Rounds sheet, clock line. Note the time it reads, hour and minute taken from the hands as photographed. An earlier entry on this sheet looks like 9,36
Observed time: 1,40
